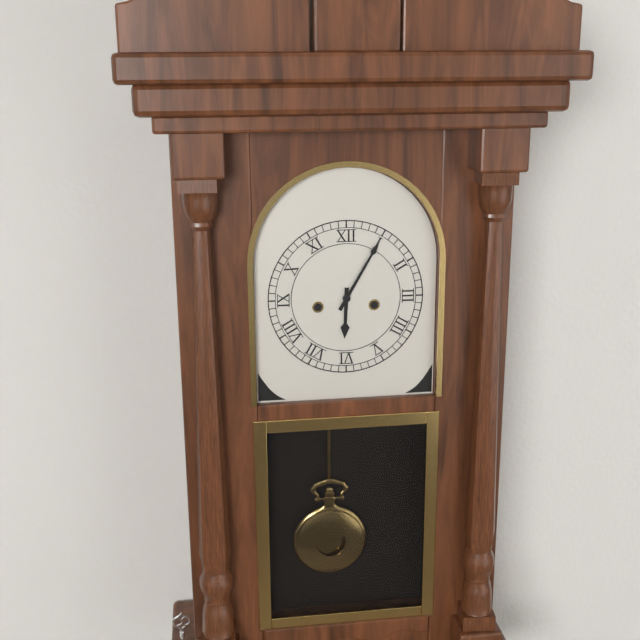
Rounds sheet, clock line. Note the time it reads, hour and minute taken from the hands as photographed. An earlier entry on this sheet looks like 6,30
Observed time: 6,05
